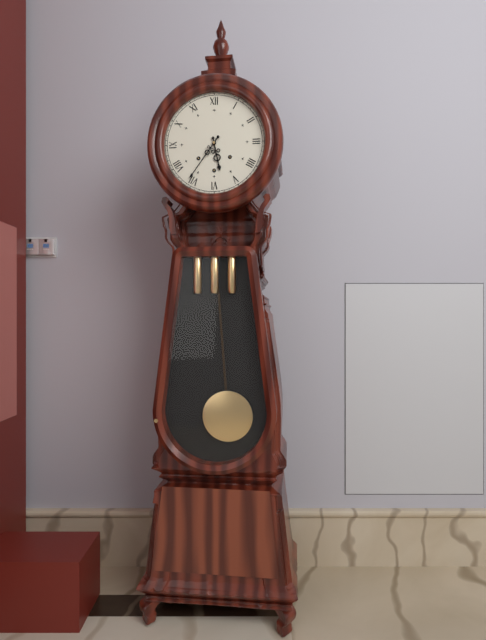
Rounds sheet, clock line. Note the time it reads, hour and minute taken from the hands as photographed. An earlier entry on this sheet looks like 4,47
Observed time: 5,36
